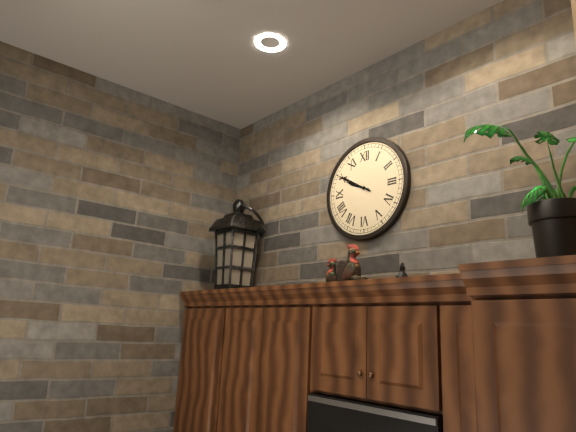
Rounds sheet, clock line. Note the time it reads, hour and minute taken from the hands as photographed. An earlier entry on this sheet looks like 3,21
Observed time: 9,50
